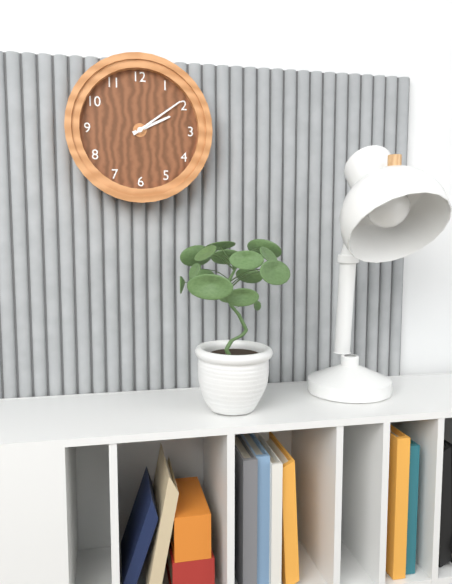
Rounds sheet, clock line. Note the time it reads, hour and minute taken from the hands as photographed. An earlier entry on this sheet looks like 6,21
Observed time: 2,09
